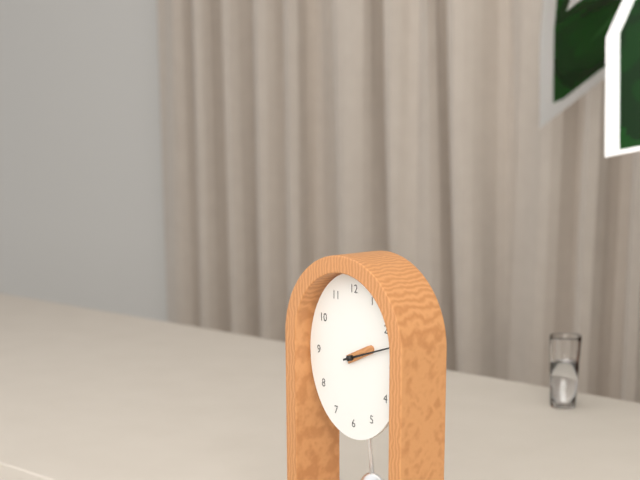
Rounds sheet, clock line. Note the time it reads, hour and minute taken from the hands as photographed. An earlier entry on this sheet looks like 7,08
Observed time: 2,12
